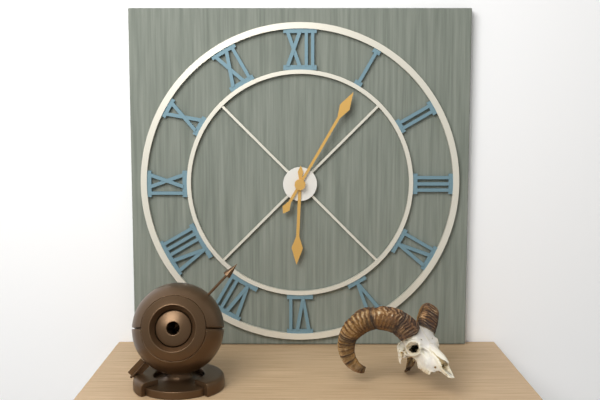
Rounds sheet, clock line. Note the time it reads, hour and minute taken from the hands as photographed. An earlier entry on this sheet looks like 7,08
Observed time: 6,05
